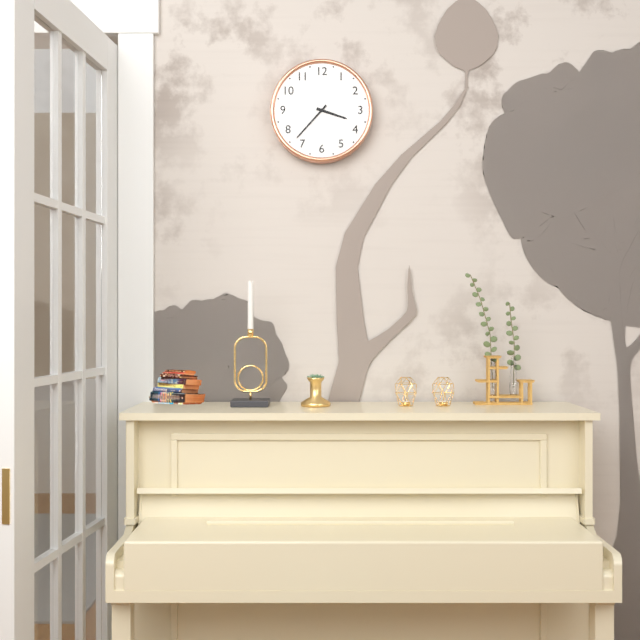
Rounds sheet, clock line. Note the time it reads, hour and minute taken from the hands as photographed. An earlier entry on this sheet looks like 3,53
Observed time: 3,37
